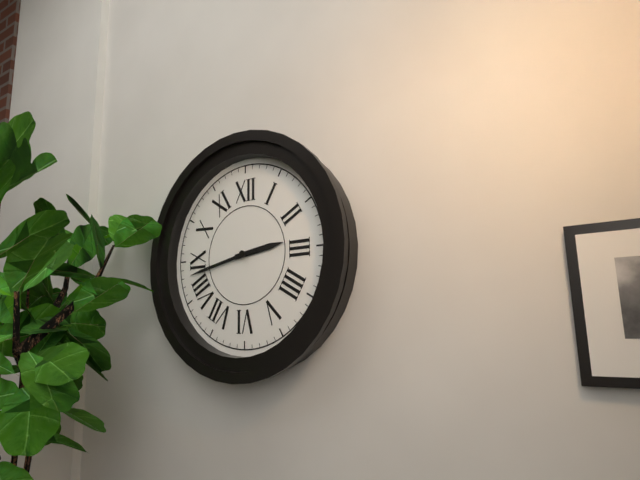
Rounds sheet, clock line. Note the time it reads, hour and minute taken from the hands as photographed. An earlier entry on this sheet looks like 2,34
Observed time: 2,43
